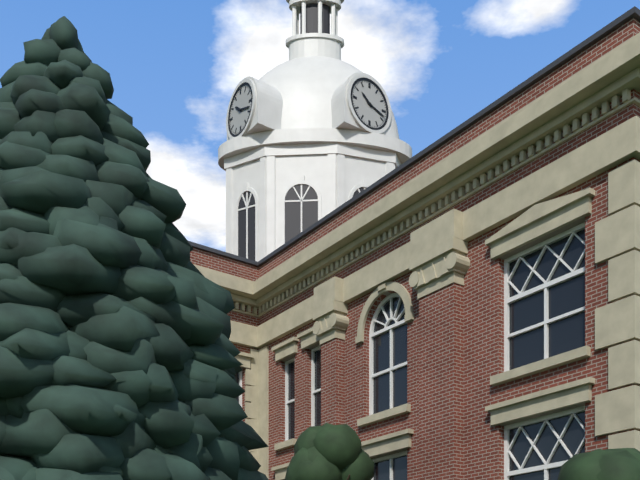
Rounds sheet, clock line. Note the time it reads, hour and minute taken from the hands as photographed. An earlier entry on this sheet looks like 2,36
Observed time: 10,18
